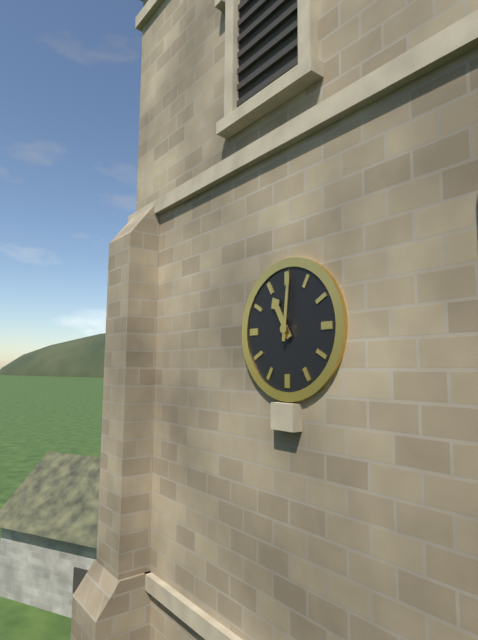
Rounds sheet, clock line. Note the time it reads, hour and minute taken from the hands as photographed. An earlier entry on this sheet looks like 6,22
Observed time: 11,01
